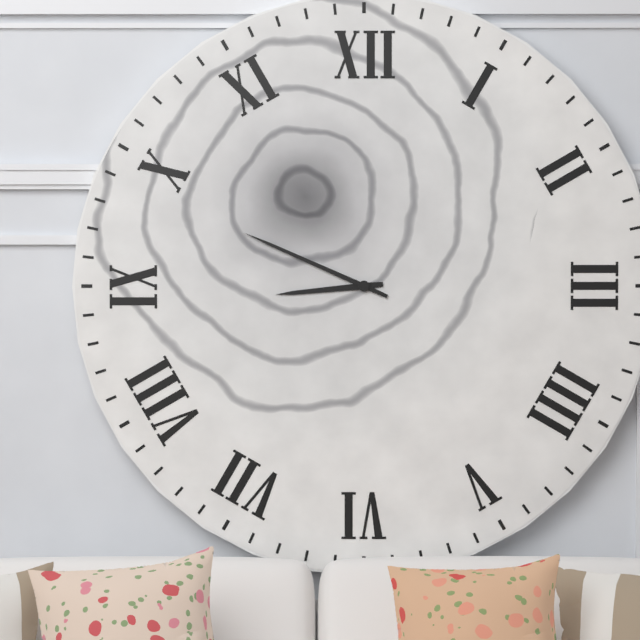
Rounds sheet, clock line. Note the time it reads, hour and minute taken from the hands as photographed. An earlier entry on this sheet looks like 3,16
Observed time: 8,49
